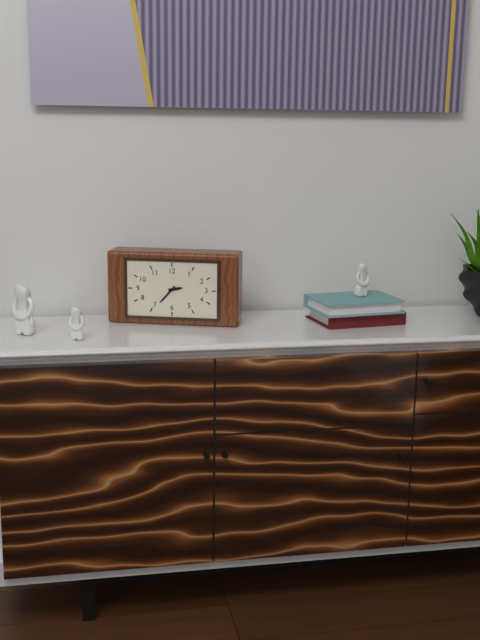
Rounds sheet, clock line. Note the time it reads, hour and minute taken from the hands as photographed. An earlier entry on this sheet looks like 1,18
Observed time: 2,37
